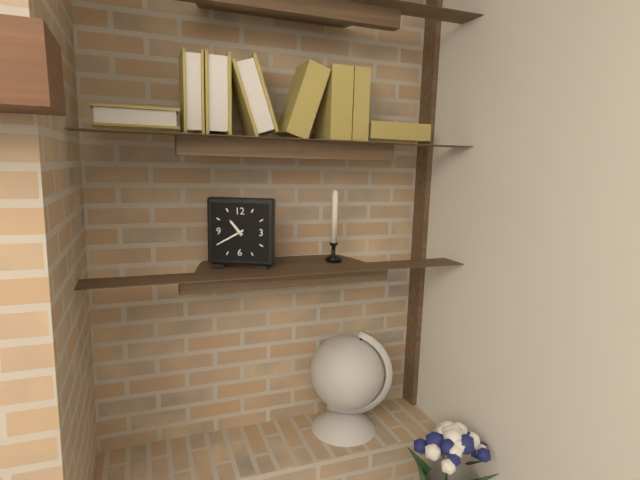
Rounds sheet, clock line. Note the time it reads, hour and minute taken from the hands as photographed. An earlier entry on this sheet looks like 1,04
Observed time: 10,40
